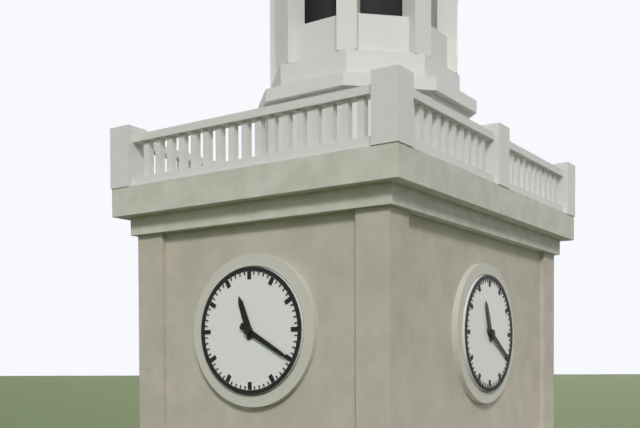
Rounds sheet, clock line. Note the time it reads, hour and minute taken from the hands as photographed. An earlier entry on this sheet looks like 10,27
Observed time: 11,20
